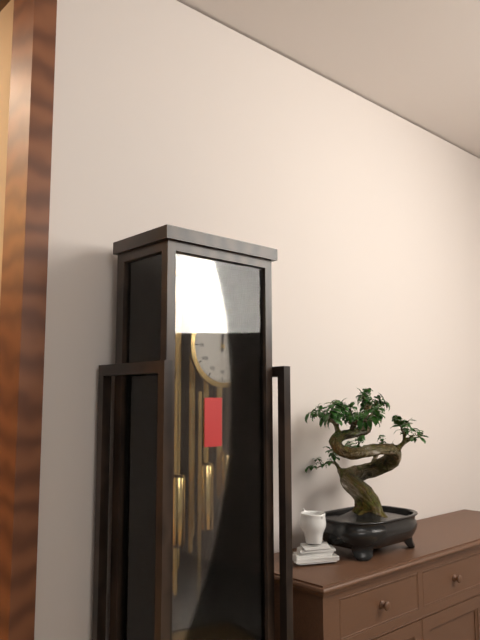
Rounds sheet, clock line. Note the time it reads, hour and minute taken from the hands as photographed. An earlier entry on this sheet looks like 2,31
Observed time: 12,01
